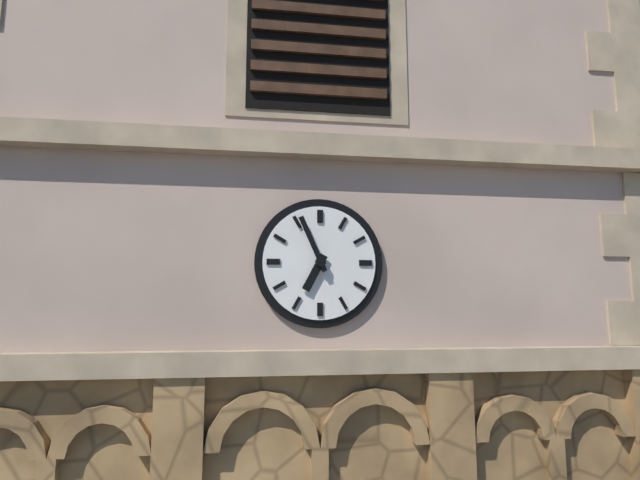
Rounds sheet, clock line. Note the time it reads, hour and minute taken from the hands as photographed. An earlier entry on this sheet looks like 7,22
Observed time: 6,56
